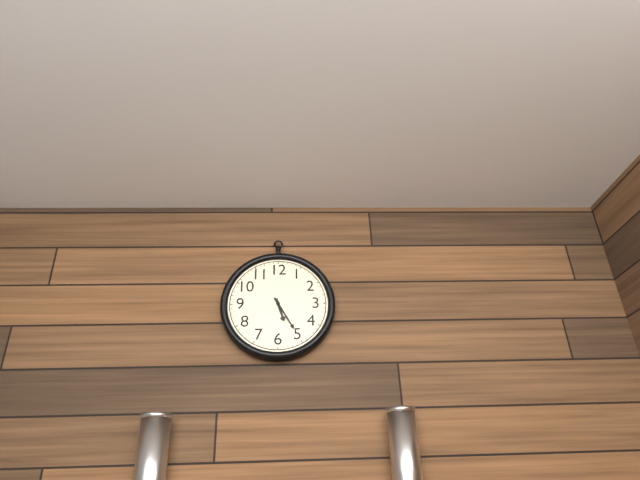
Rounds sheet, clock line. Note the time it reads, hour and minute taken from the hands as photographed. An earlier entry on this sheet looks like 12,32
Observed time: 5,25
